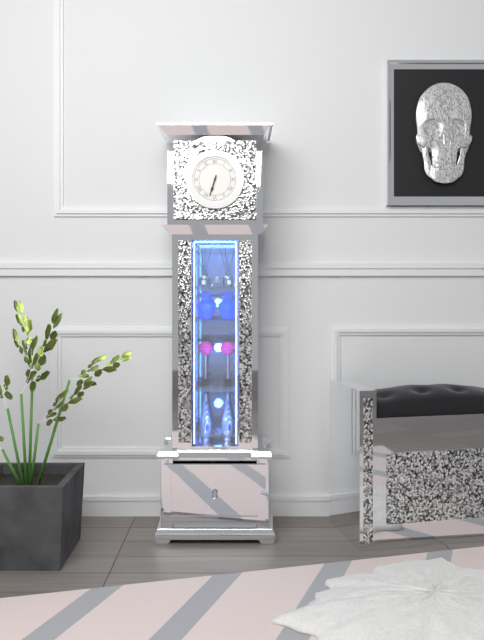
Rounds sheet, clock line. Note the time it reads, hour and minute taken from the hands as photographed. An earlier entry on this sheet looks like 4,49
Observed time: 6,33
